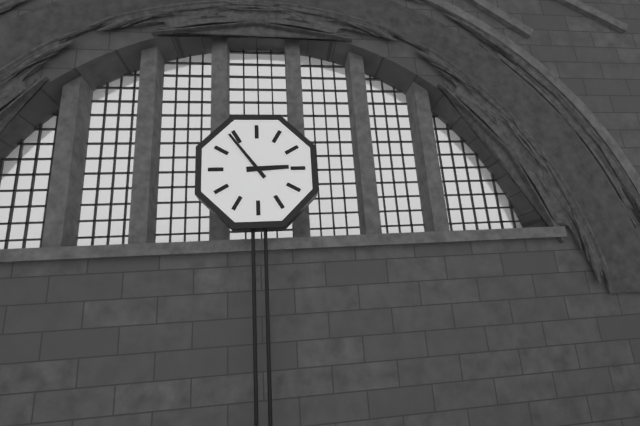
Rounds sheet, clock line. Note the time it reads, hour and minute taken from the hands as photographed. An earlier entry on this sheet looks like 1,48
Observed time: 2,54
